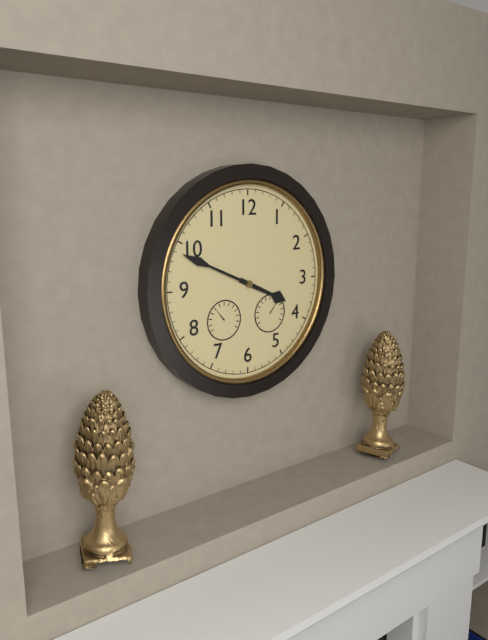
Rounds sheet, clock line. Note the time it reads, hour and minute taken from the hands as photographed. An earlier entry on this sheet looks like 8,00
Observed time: 3,49
